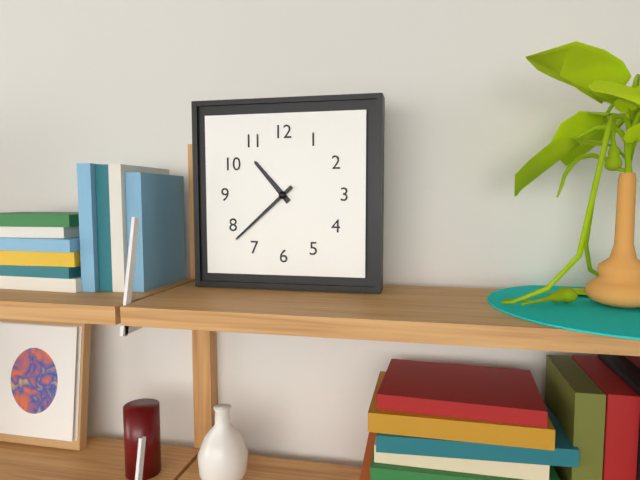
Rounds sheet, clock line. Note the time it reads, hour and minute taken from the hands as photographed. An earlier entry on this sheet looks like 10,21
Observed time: 10,38
